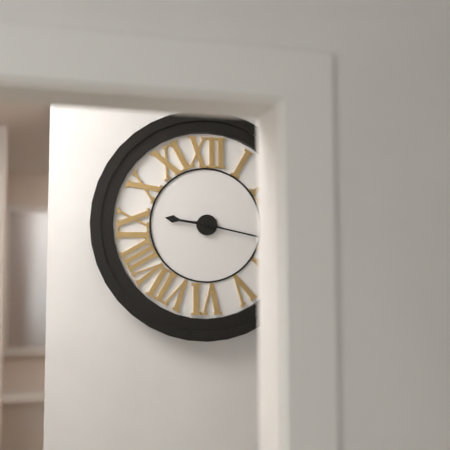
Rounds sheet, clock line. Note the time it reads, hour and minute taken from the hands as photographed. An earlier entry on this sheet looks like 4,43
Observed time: 9,17
